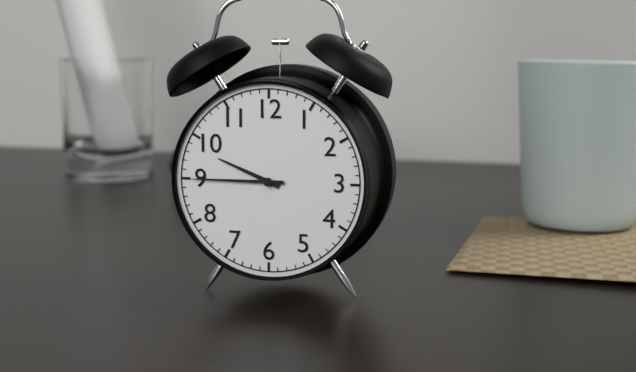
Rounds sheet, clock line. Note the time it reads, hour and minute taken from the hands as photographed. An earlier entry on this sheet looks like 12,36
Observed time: 9,45
